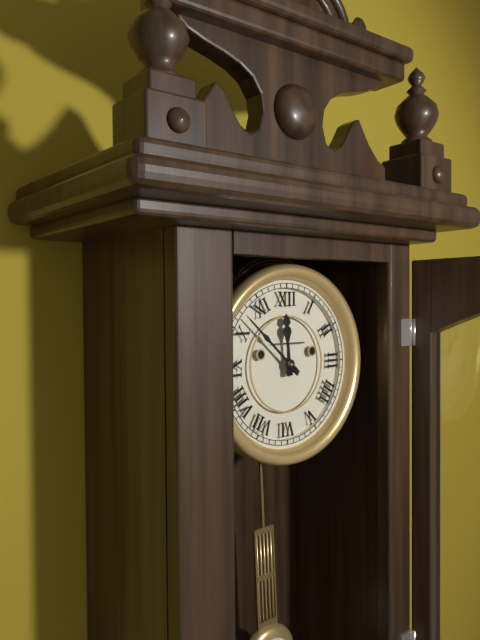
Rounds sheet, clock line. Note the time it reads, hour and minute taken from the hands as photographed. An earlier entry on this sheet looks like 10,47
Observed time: 11,52
